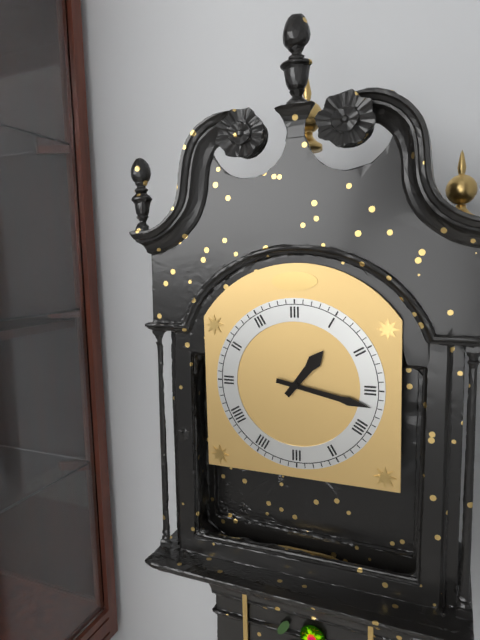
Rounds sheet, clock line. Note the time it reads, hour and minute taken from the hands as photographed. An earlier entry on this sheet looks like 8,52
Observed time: 1,17
